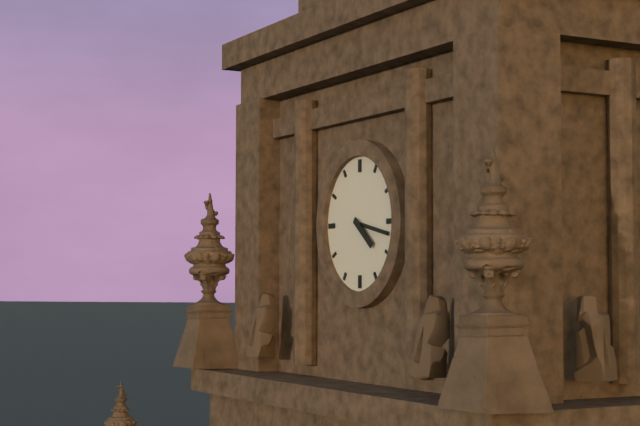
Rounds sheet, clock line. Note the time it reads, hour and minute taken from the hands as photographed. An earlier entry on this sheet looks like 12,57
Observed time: 4,17
